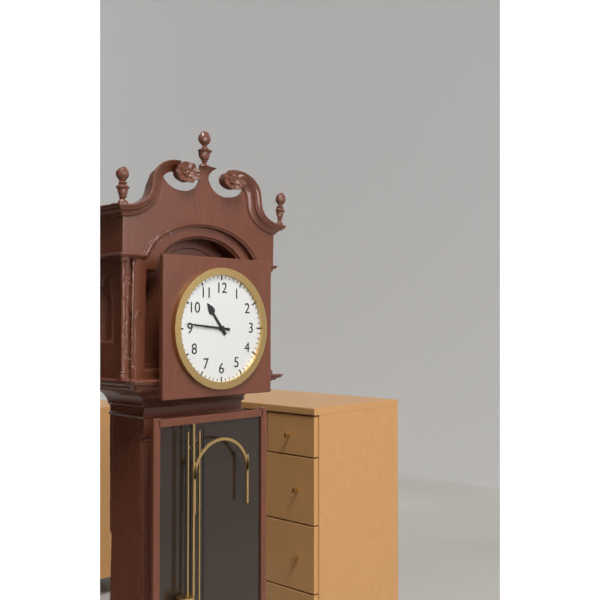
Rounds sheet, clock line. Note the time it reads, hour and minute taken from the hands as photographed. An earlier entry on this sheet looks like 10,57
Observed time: 10,46
